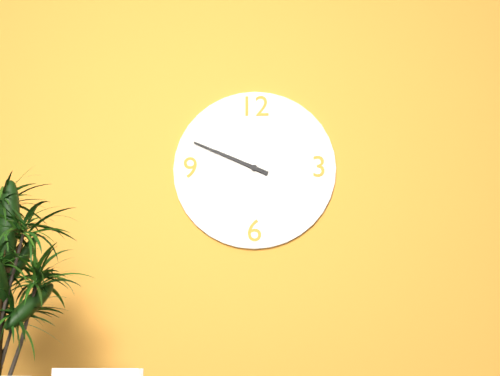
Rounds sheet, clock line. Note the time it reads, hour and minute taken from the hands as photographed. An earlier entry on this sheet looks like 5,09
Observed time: 9,49
